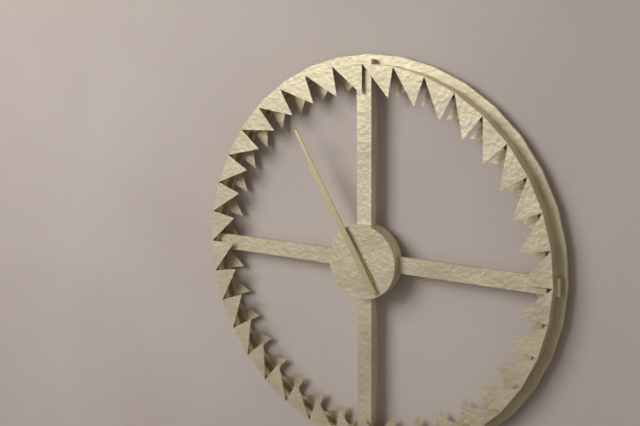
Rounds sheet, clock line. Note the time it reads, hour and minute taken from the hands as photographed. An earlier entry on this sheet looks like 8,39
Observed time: 10,55
